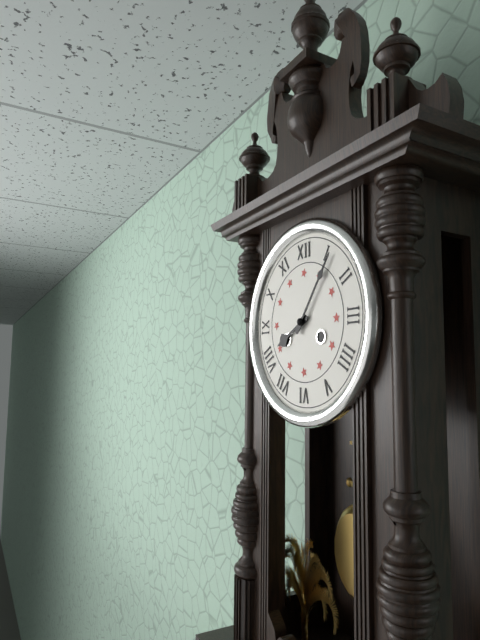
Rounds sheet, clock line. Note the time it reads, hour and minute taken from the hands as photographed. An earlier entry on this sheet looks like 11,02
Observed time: 8,06
